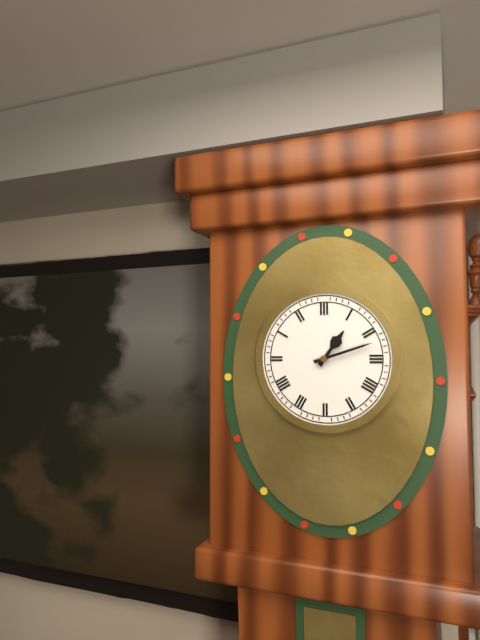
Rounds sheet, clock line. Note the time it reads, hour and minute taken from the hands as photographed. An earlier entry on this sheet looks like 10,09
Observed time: 1,12
